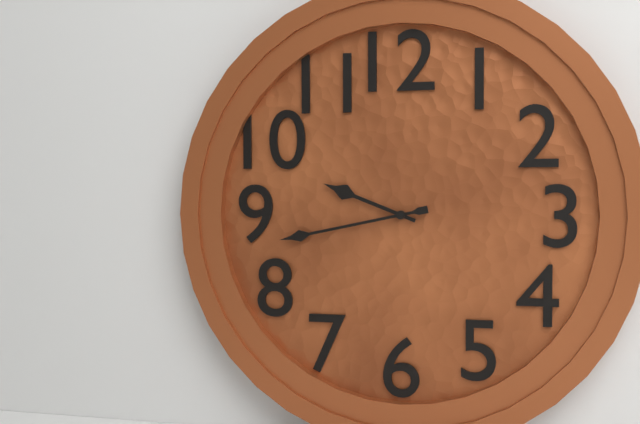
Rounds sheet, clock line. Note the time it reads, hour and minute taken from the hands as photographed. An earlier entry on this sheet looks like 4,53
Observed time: 9,43
